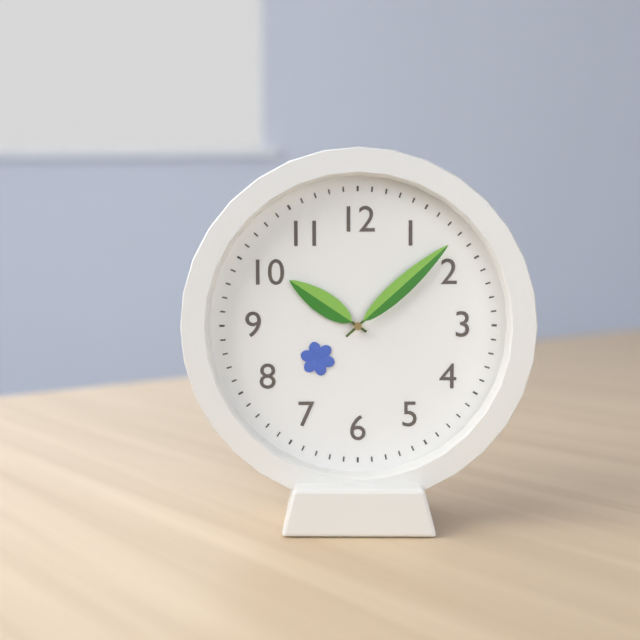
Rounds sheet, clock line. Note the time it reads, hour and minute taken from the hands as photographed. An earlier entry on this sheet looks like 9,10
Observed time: 10,08
